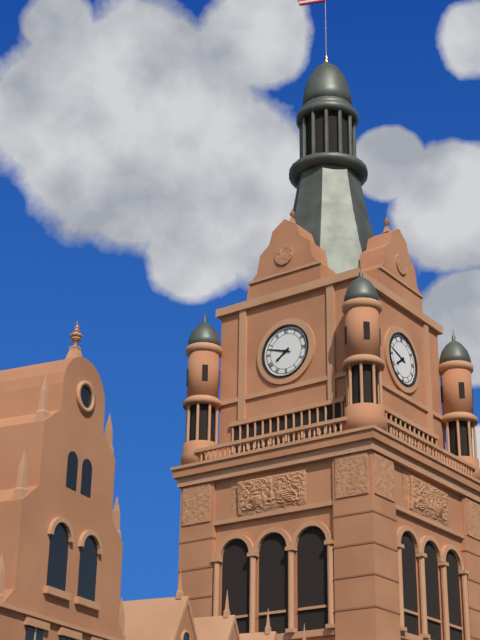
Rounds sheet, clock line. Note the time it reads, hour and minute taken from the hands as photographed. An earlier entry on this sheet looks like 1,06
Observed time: 7,48
